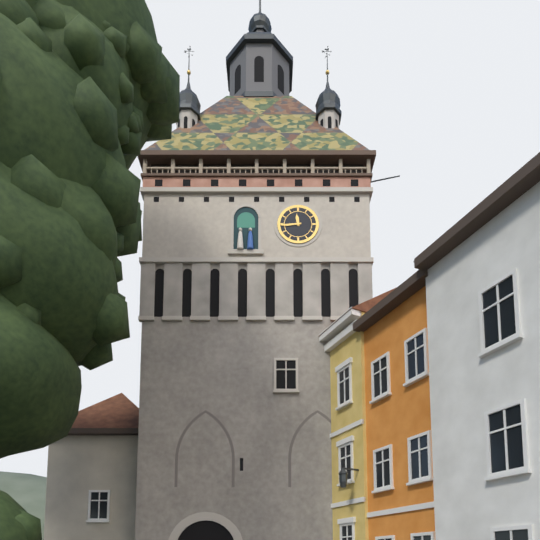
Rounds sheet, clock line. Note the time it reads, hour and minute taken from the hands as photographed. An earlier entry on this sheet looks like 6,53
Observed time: 11,44
